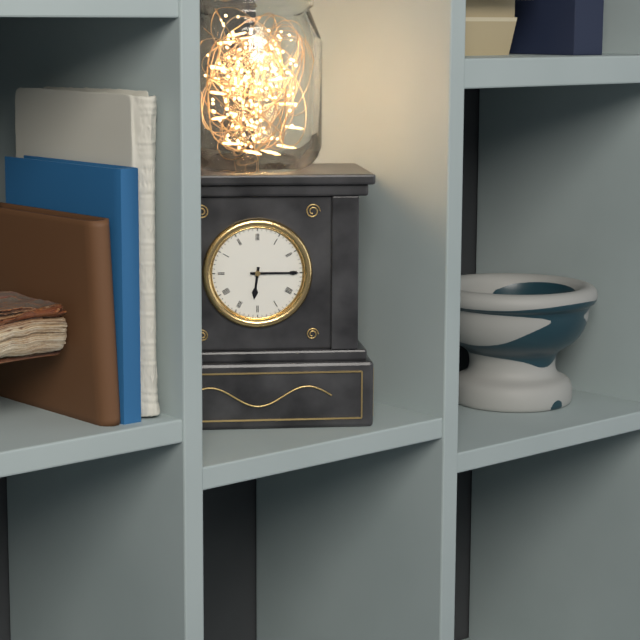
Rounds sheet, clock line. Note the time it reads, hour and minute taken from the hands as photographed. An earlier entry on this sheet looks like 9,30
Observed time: 6,15
